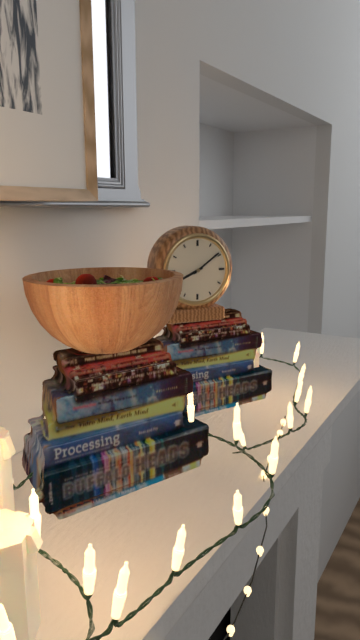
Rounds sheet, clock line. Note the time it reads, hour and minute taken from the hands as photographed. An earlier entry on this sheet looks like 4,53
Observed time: 8,09
